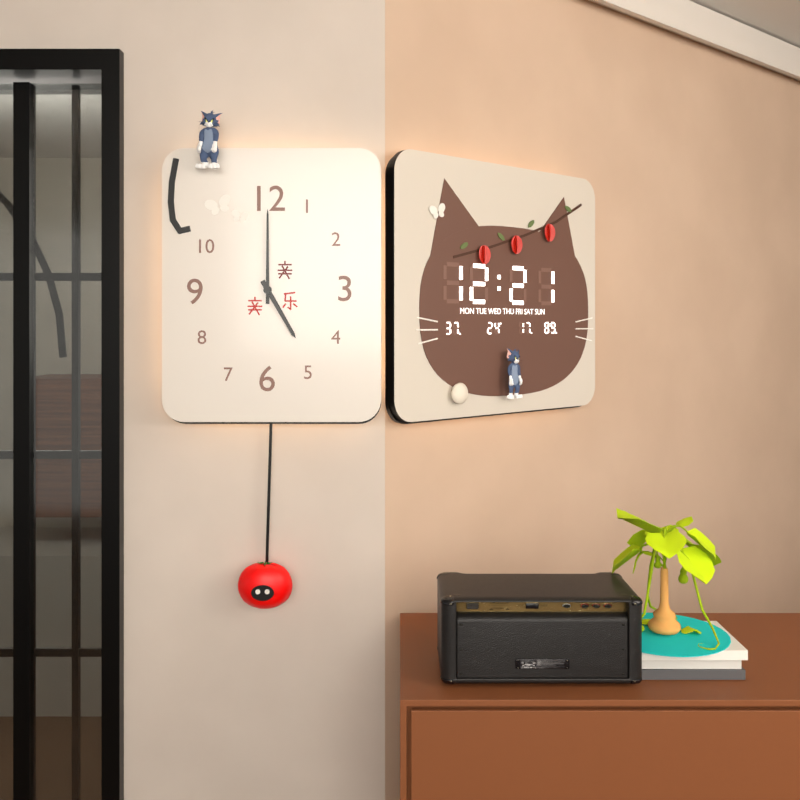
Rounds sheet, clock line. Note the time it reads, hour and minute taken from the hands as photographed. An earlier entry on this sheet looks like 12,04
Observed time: 5,00
